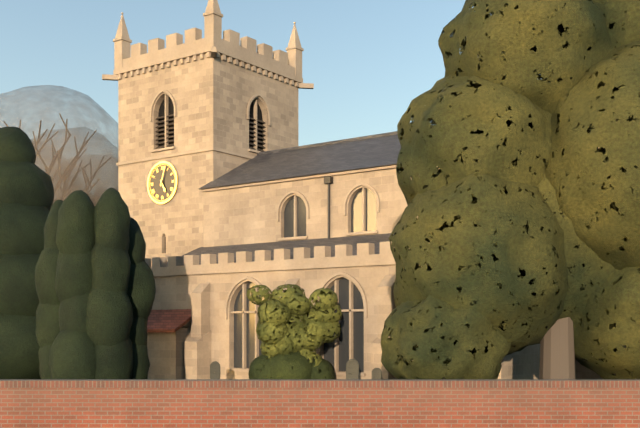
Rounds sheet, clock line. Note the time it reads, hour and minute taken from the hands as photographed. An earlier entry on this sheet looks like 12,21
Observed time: 5,03
